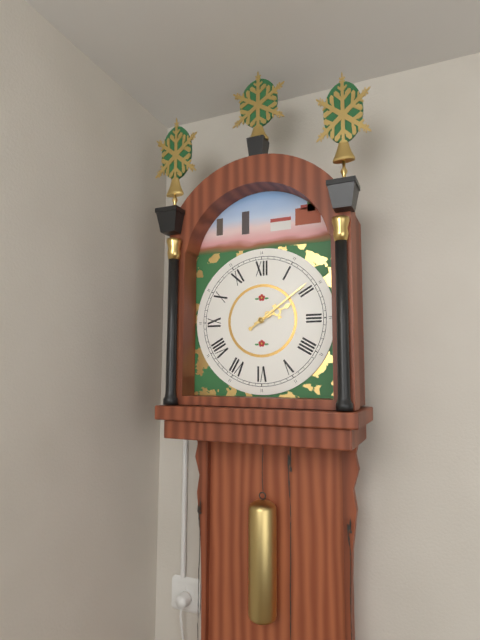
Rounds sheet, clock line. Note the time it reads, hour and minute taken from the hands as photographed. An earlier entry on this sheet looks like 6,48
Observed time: 2,09
